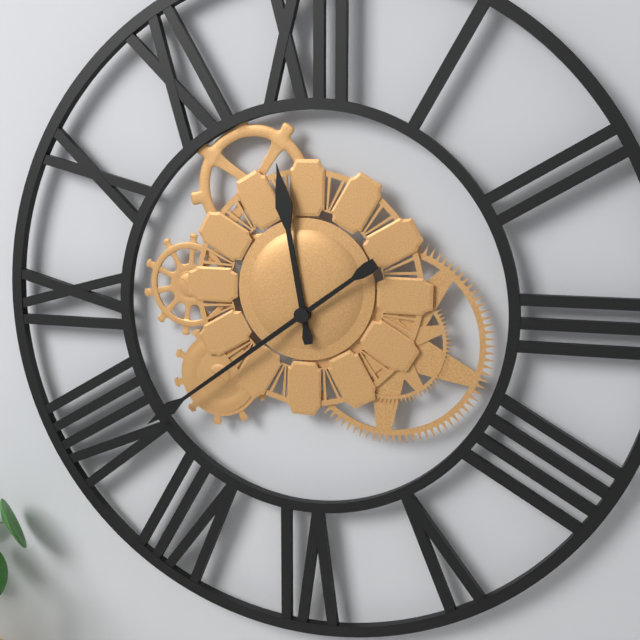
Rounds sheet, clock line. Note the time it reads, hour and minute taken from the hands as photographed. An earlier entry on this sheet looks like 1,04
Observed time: 11,39
